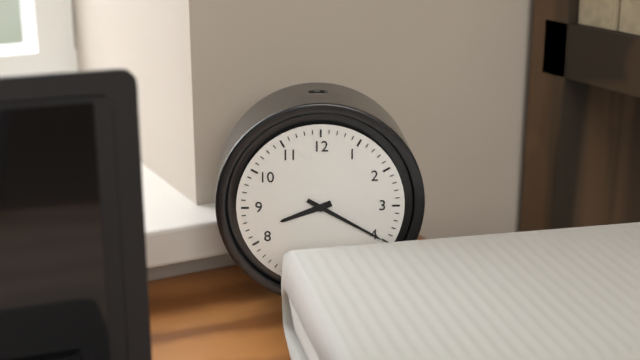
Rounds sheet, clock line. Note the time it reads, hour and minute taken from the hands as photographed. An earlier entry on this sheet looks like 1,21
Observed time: 8,20
